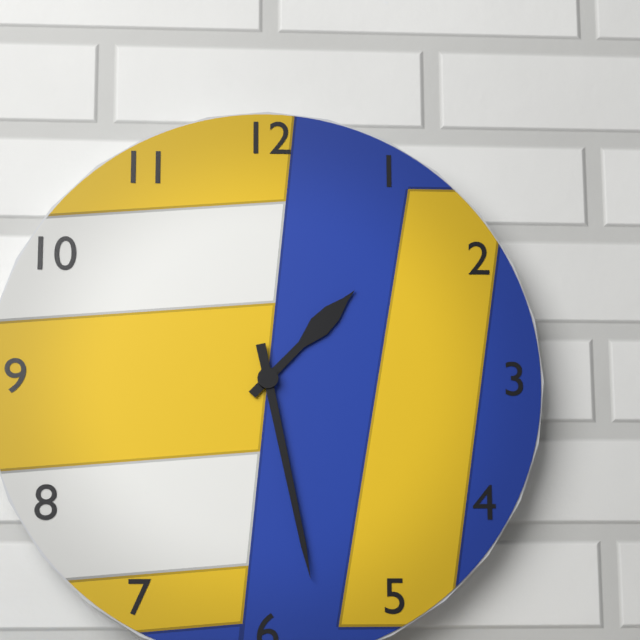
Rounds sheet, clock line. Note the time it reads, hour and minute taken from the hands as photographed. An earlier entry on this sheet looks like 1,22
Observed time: 1,28
